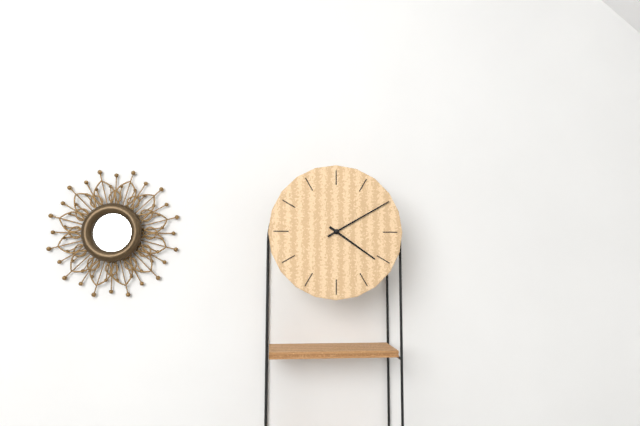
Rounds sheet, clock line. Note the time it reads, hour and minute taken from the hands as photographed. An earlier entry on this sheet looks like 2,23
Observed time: 4,10
